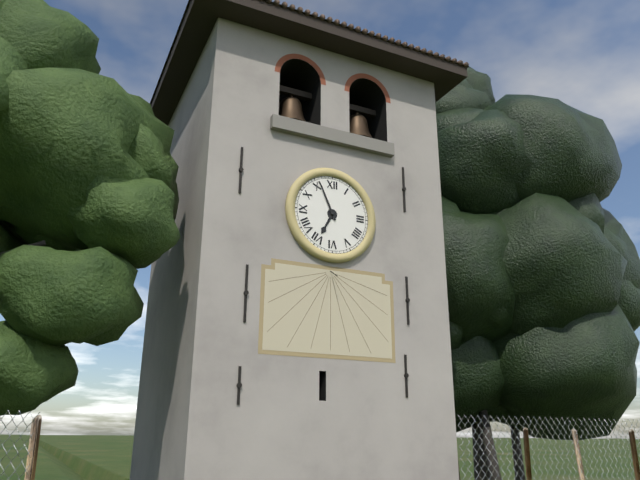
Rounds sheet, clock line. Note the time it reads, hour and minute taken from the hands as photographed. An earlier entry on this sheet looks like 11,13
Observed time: 6,56
